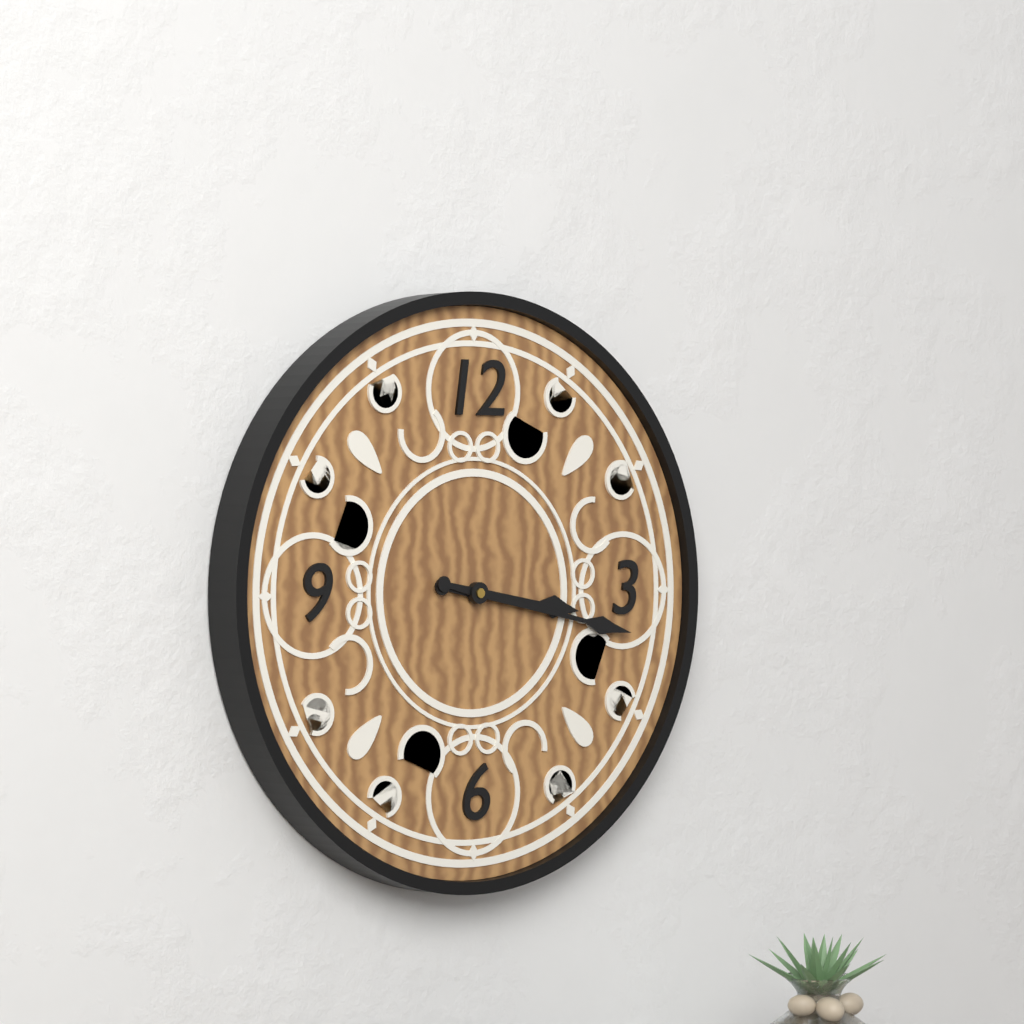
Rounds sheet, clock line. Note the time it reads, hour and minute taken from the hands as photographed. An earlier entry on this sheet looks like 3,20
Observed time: 3,17
